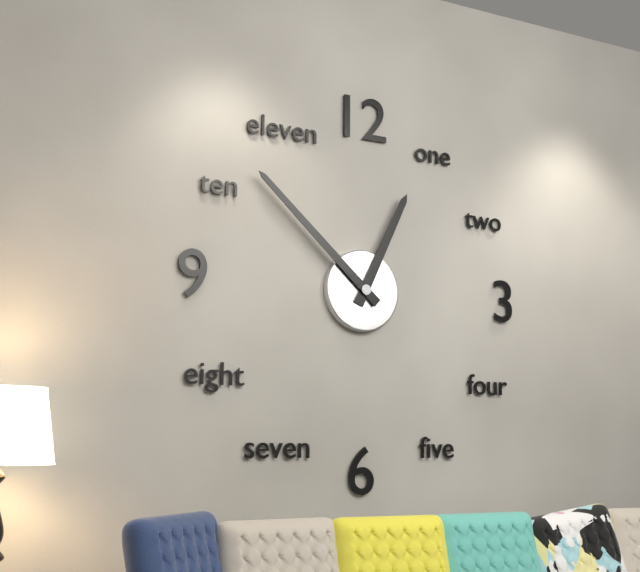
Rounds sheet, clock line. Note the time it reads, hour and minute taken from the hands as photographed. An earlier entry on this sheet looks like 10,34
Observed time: 12,52
